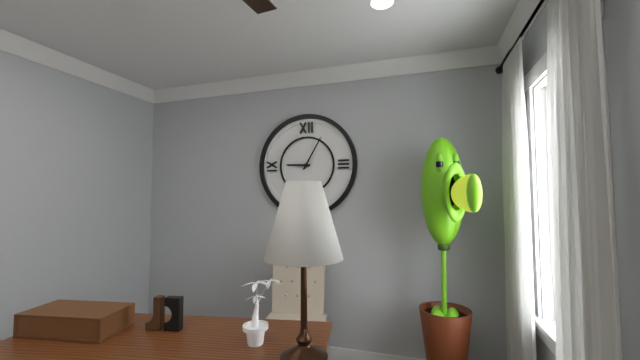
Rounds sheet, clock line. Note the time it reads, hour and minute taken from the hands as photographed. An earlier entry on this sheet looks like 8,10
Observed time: 9,05
